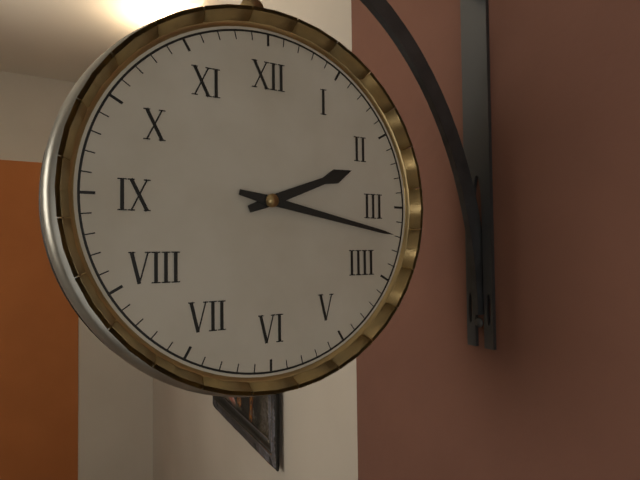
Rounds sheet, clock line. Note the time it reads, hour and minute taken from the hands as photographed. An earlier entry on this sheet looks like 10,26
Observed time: 2,17
